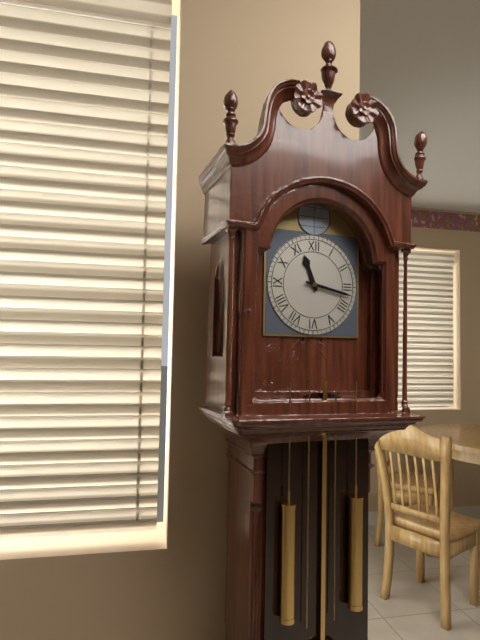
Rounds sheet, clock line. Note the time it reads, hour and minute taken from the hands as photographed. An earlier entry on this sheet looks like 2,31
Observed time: 11,17
